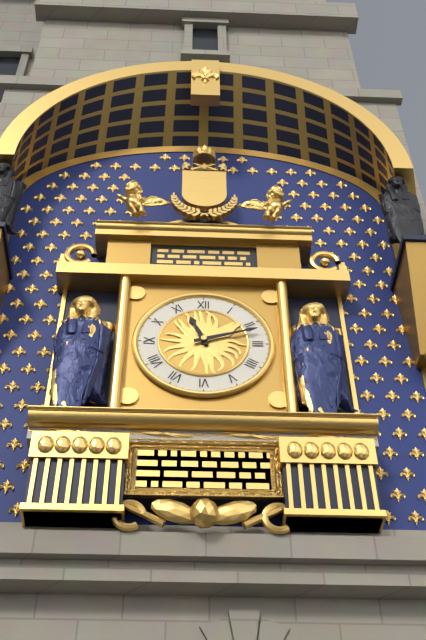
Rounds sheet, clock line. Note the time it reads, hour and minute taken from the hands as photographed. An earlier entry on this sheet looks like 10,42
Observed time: 11,12
